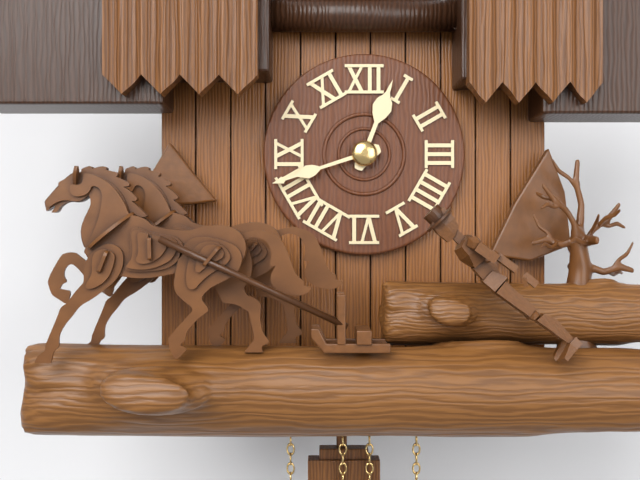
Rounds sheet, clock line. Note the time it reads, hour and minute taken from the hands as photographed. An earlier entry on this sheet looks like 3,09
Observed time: 12,42
